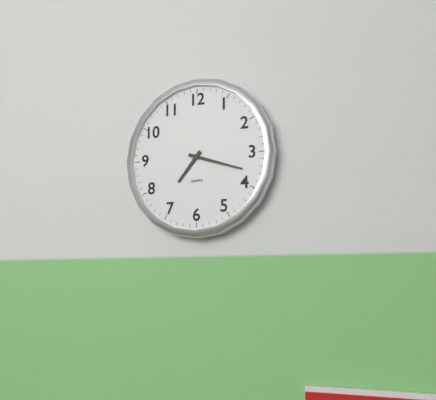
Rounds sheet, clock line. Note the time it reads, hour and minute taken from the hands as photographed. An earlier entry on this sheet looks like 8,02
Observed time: 7,18
